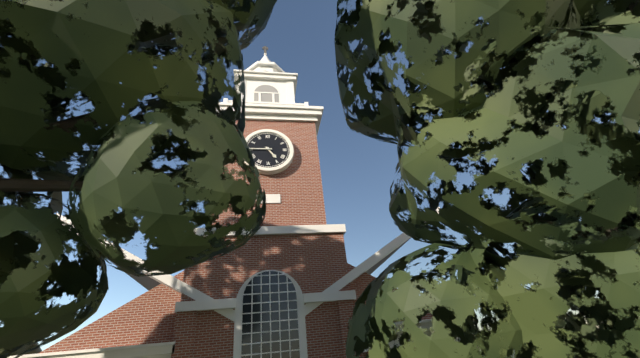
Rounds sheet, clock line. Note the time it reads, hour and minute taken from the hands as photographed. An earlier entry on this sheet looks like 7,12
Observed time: 4,45
